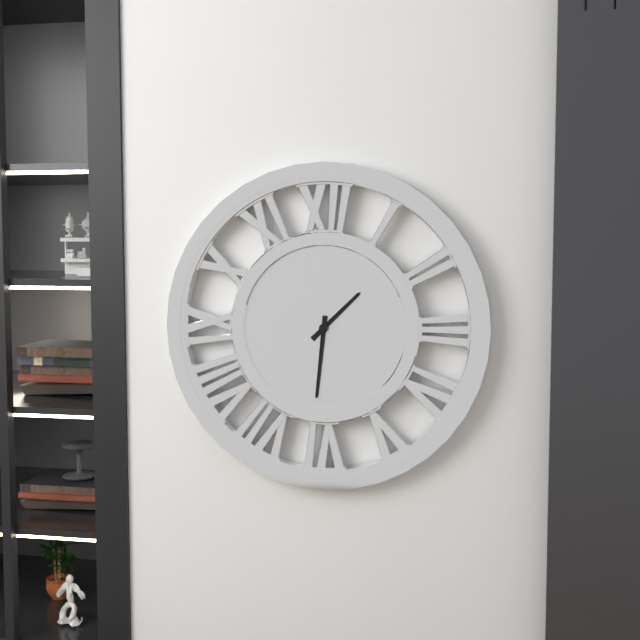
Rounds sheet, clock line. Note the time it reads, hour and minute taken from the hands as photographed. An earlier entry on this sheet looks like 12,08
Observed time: 1,31
